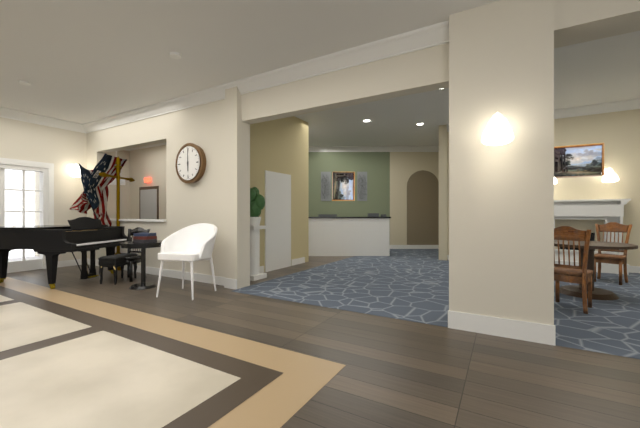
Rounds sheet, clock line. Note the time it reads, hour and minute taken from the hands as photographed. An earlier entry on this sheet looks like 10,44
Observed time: 6,00
